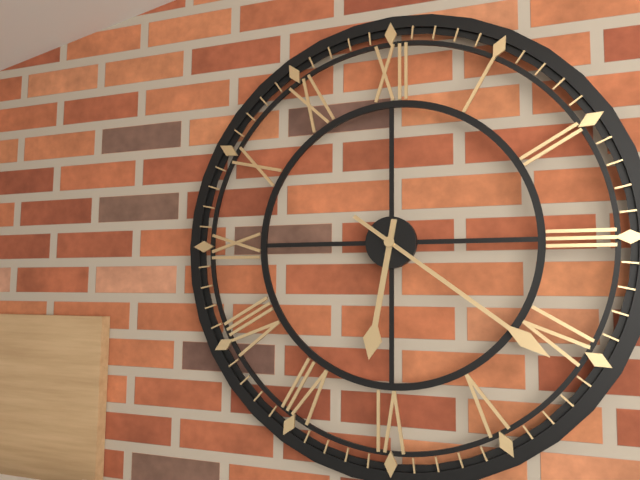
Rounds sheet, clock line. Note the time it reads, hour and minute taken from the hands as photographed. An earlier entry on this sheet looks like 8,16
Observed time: 6,21
